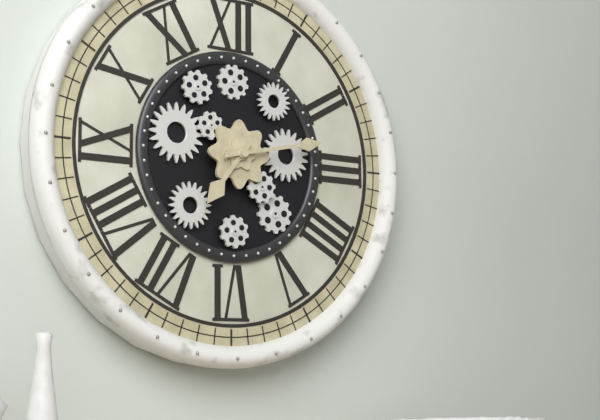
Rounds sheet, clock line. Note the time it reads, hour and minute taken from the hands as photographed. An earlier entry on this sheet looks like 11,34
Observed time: 7,13
